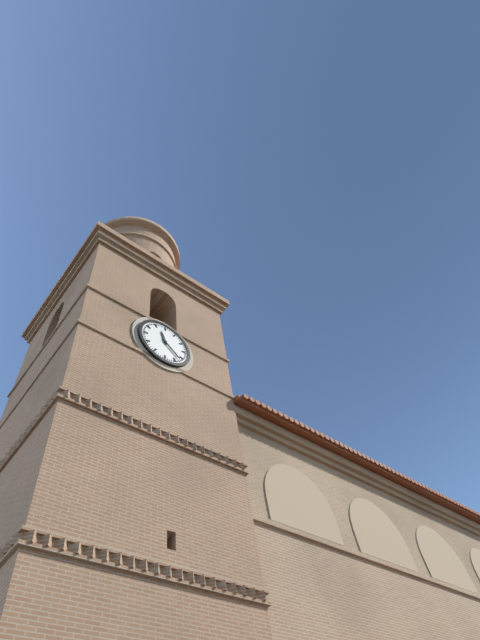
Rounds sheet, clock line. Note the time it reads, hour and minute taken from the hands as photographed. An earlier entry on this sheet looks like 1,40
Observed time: 11,22
